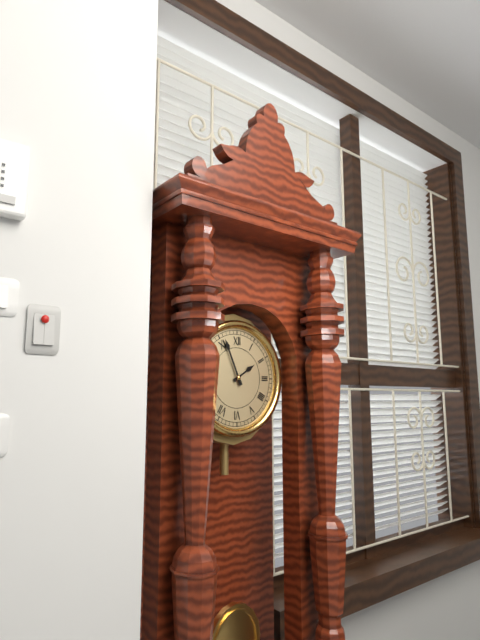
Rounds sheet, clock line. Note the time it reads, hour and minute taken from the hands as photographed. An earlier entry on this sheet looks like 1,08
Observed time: 1,56
